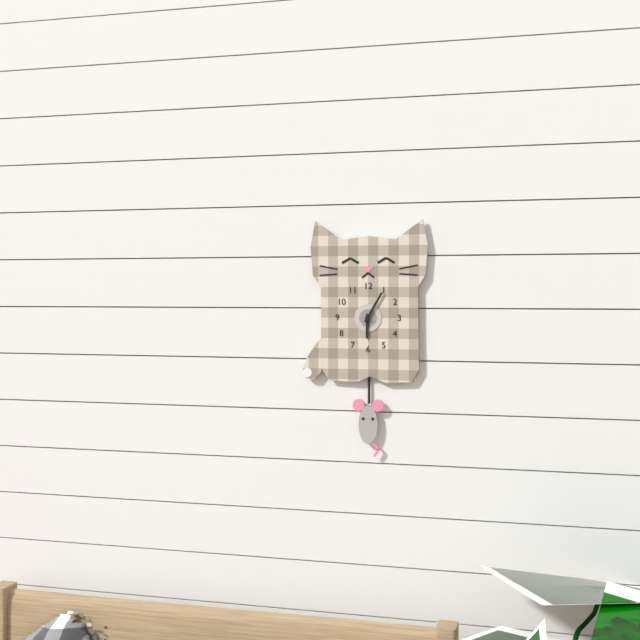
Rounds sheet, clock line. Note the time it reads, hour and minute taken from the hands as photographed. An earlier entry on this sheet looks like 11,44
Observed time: 6,05
